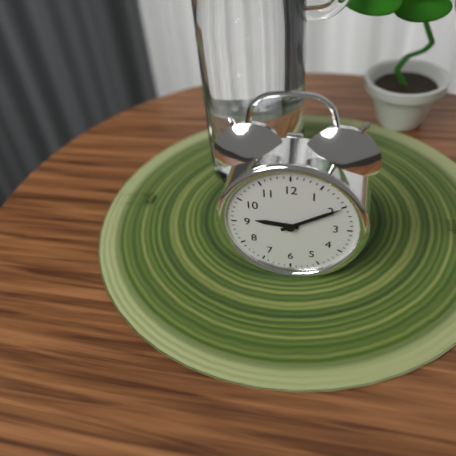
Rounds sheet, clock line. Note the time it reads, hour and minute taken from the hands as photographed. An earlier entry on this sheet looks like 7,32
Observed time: 9,10
